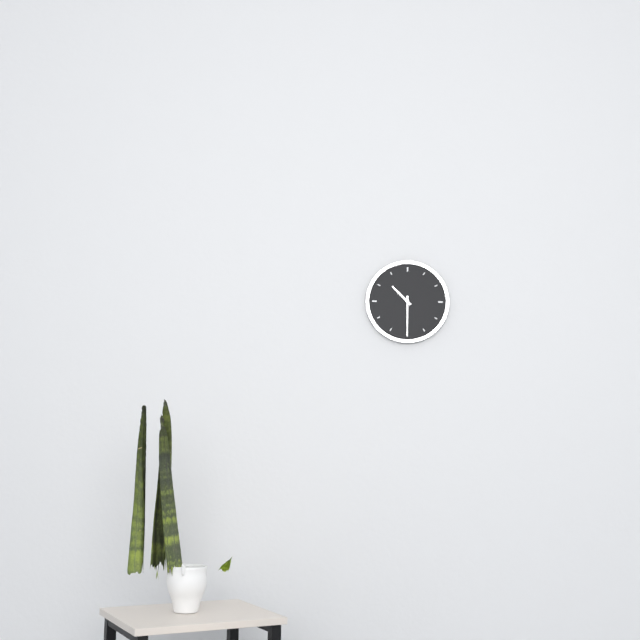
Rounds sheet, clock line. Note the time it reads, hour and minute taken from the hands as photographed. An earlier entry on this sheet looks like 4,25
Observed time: 10,30
